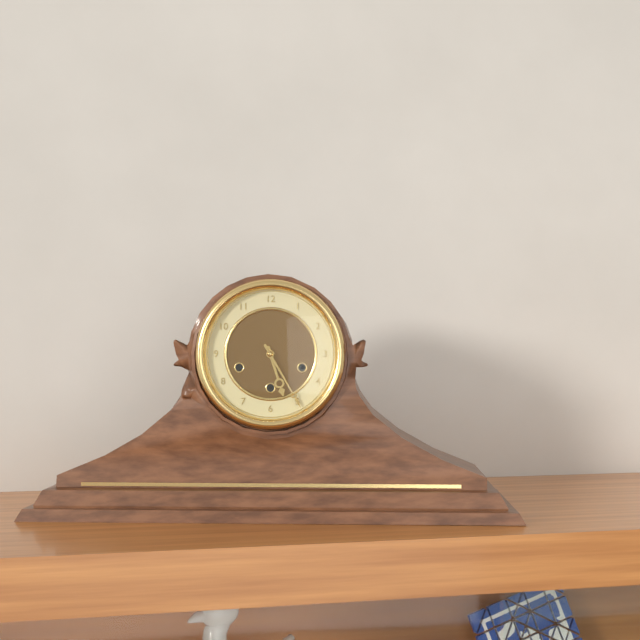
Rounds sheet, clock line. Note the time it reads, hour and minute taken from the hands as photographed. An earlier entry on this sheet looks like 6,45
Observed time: 5,25
